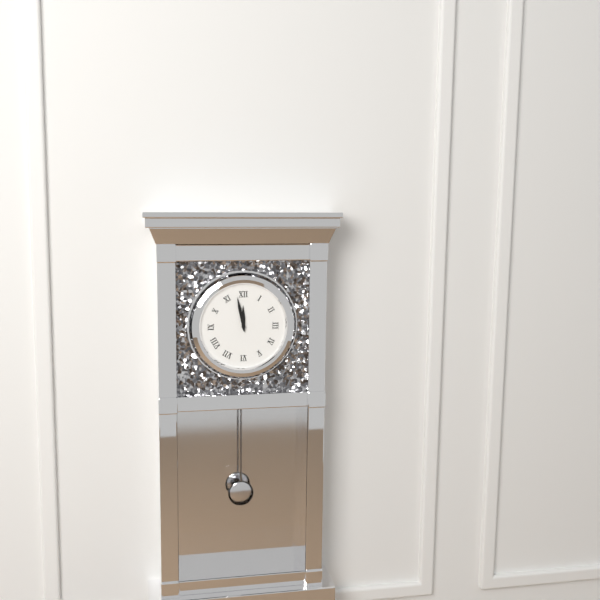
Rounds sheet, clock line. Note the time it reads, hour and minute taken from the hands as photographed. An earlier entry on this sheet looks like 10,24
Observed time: 11,58
